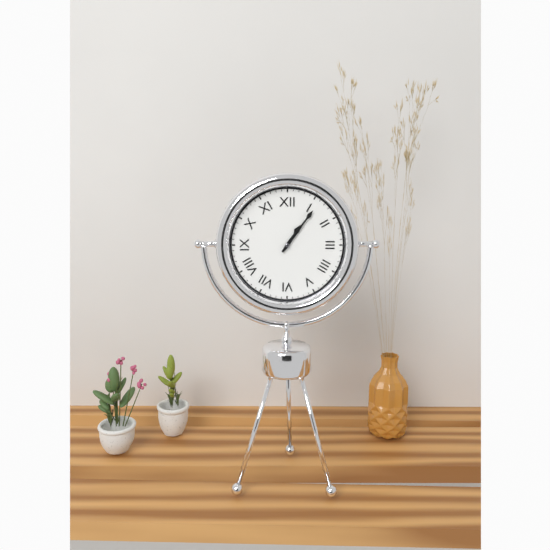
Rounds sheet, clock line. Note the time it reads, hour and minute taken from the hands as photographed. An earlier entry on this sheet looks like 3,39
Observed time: 1,06
